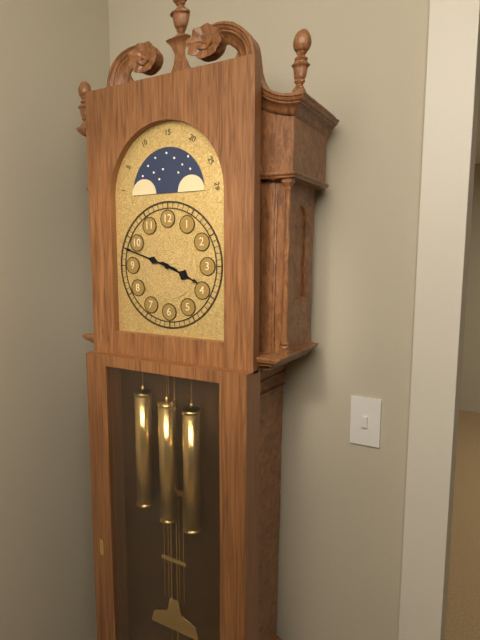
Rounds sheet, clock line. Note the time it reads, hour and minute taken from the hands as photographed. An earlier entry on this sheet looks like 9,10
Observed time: 3,48
